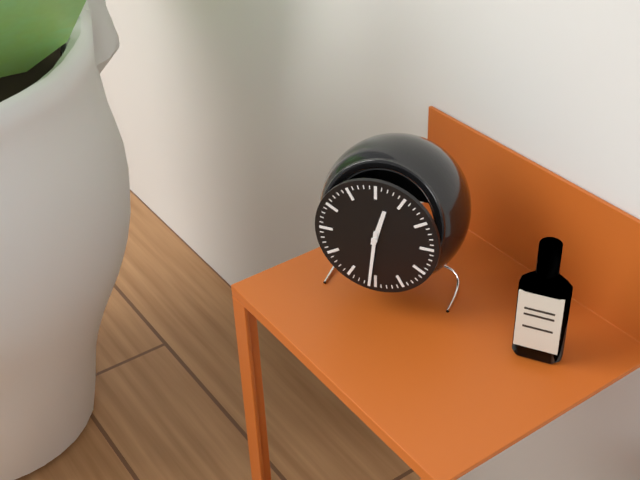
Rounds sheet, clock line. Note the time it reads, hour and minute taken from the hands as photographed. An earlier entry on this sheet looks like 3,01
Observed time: 12,31
